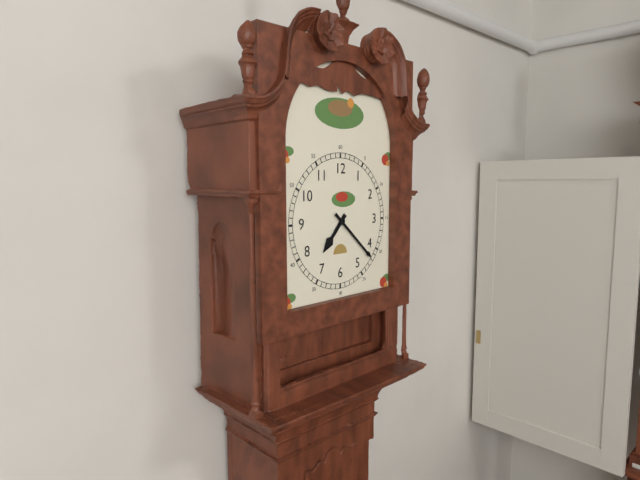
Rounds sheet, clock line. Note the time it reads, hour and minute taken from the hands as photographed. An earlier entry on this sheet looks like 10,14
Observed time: 7,22
